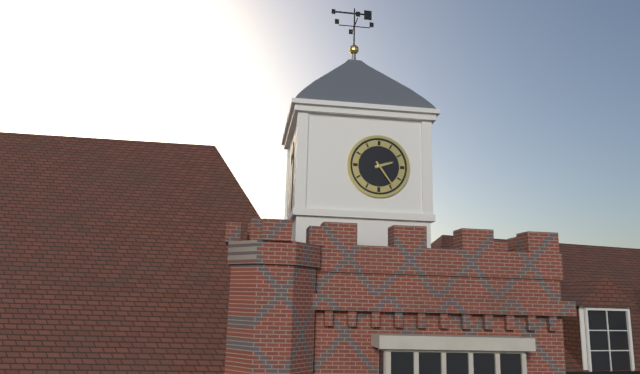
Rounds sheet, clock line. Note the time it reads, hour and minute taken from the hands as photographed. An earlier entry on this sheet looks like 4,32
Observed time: 2,24
